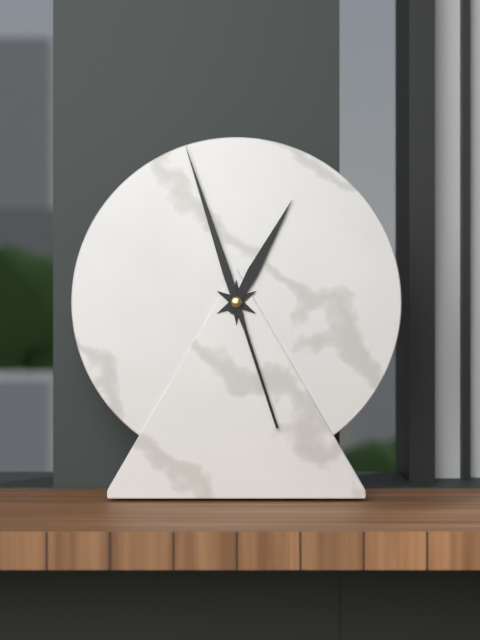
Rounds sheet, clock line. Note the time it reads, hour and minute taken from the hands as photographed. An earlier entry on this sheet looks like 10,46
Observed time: 12,57
